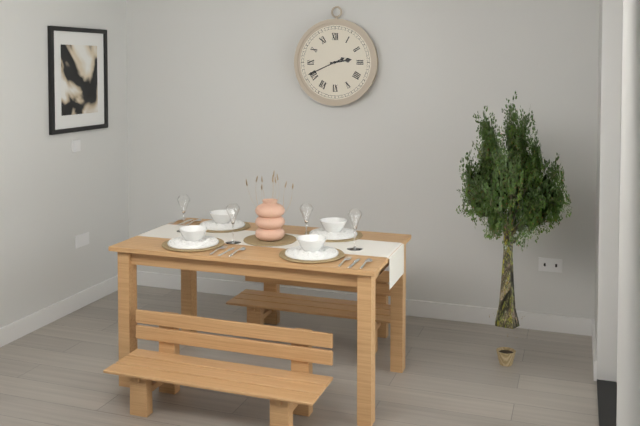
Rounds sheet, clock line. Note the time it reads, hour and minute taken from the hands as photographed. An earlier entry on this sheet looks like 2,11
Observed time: 2,41
